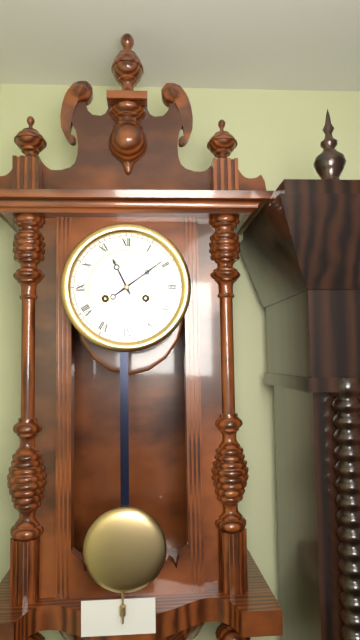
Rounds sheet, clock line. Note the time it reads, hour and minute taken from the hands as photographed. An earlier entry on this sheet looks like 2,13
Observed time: 11,09
